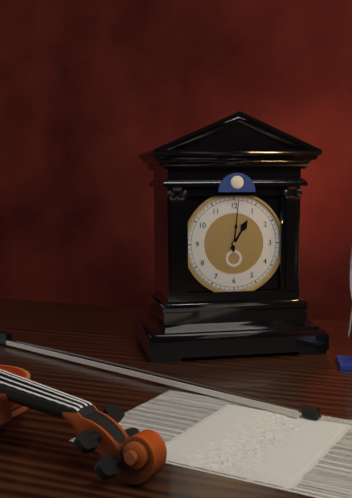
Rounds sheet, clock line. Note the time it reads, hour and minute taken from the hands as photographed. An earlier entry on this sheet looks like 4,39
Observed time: 1,01
